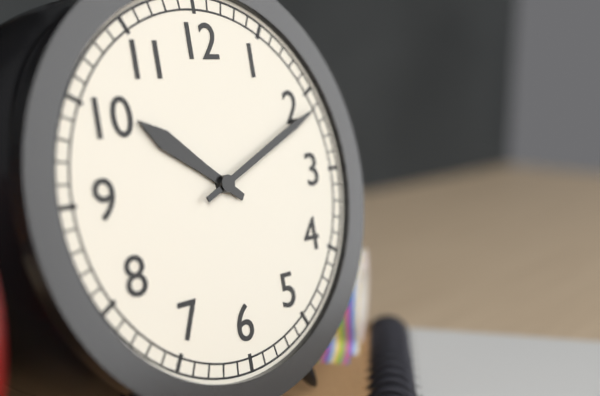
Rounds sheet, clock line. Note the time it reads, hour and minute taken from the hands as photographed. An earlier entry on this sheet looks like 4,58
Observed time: 10,11
